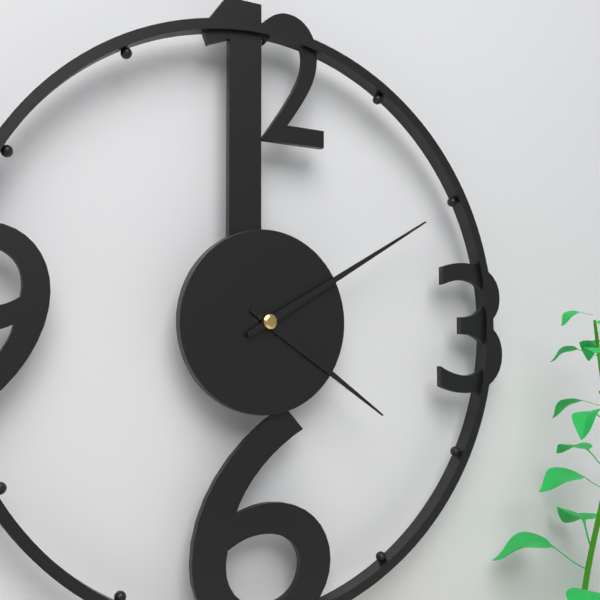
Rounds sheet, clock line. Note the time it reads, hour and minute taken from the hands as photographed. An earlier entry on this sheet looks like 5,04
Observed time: 4,10
